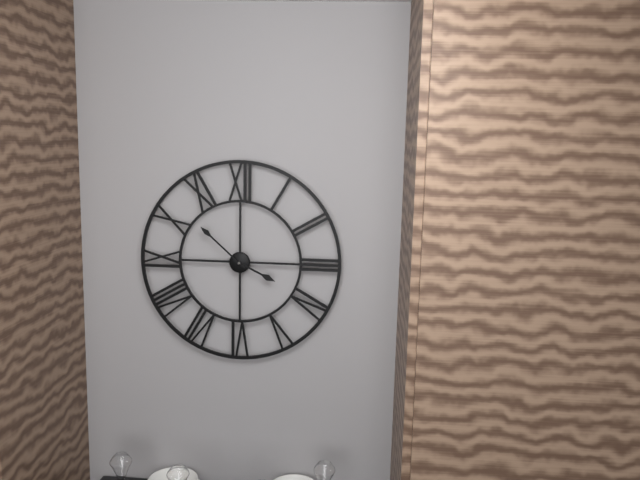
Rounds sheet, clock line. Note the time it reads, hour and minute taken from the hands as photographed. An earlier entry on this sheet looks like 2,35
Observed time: 3,52
